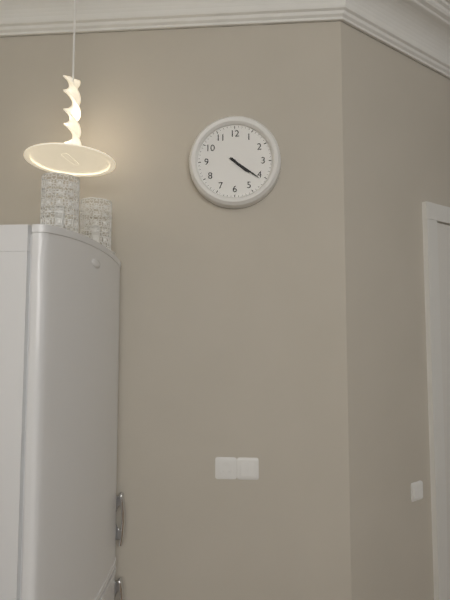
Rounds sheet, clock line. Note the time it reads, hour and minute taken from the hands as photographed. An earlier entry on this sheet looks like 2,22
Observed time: 4,21
